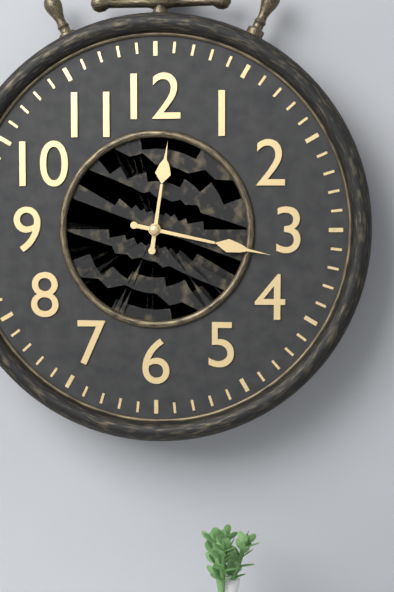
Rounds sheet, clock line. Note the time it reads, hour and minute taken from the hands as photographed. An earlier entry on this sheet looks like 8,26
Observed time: 12,17
